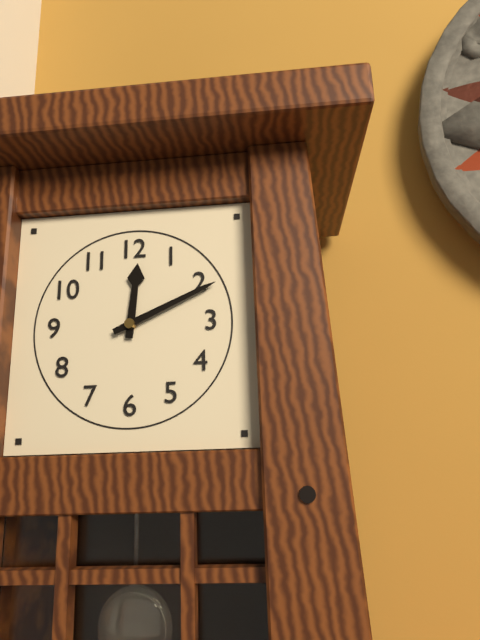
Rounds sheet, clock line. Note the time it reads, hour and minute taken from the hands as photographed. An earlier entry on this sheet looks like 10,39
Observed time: 12,11
